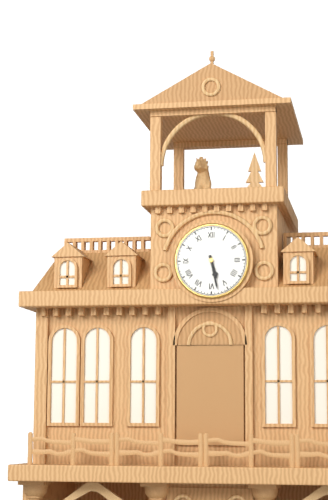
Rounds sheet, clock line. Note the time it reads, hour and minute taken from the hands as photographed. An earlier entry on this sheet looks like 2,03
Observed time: 5,28
